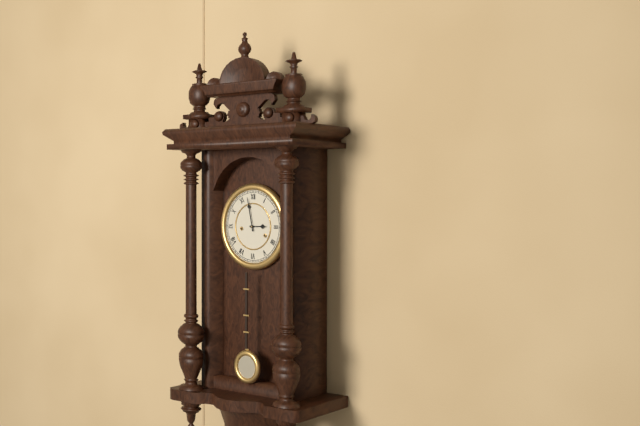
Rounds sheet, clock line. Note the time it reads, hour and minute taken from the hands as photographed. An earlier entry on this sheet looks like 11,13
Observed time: 2,58
